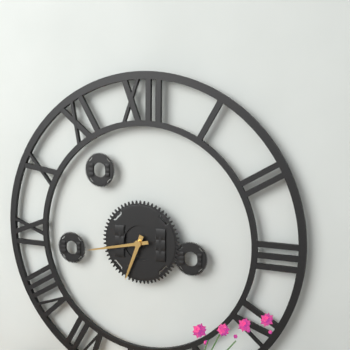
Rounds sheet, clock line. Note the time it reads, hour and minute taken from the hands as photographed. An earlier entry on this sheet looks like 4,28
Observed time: 6,43
